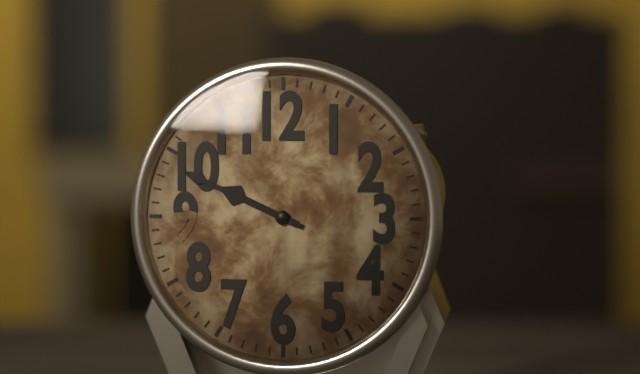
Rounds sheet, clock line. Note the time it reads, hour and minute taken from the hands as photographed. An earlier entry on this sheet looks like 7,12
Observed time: 9,49
